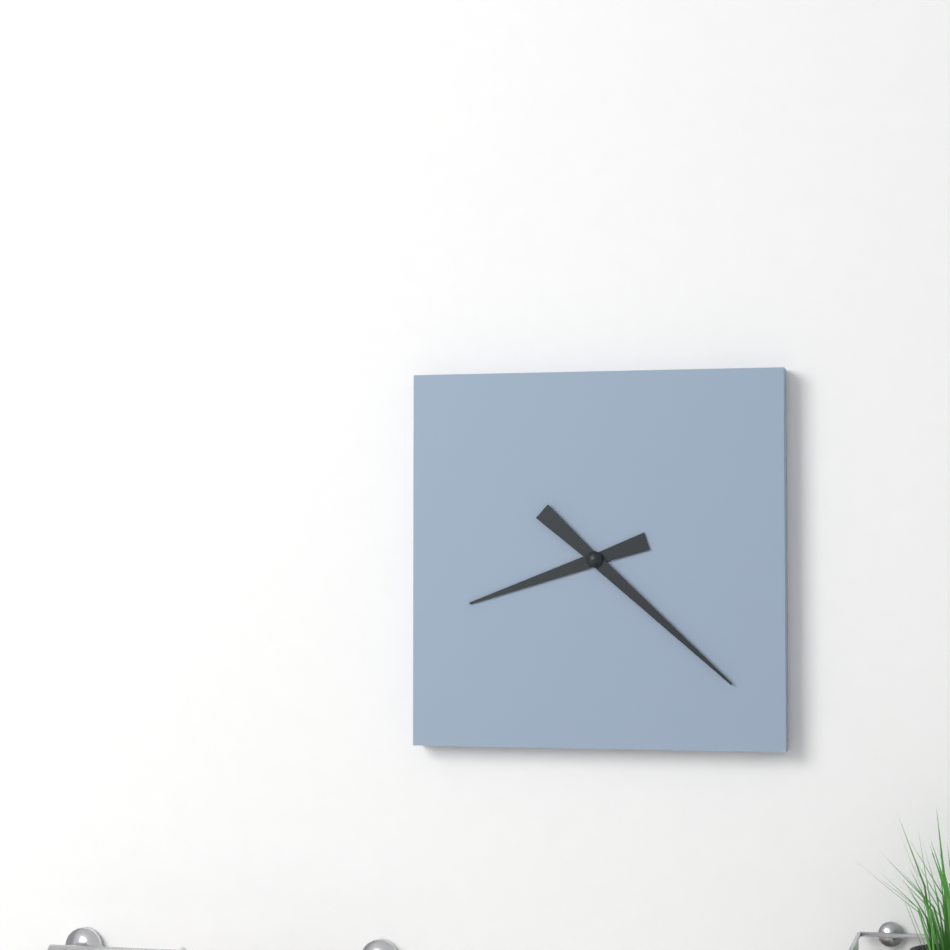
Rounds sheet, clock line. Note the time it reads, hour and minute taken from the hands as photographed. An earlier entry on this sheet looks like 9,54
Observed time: 8,22
